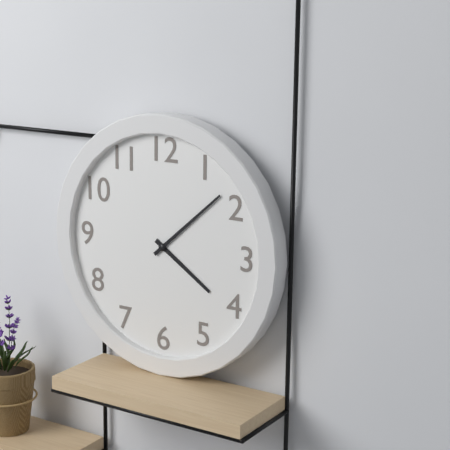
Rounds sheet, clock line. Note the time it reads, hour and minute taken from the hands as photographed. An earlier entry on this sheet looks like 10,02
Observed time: 4,08
